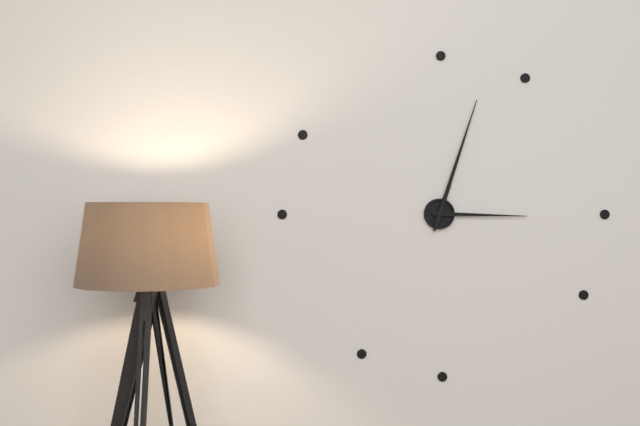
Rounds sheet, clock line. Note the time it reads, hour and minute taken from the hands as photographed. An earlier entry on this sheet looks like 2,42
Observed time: 3,03
